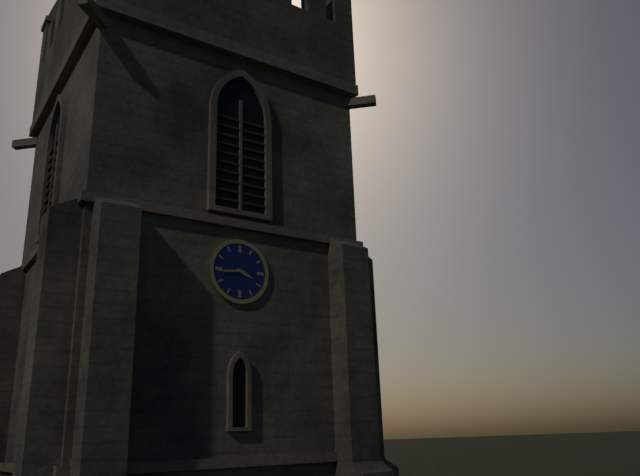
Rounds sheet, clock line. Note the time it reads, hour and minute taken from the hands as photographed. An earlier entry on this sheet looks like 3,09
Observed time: 3,44
